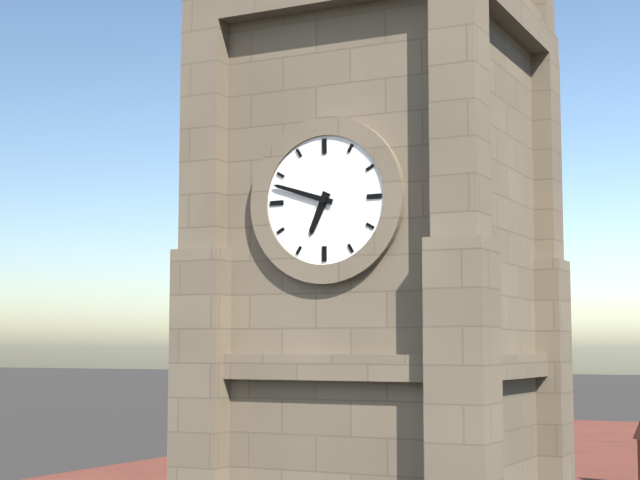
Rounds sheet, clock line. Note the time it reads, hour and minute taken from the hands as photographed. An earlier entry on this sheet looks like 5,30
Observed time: 6,48
